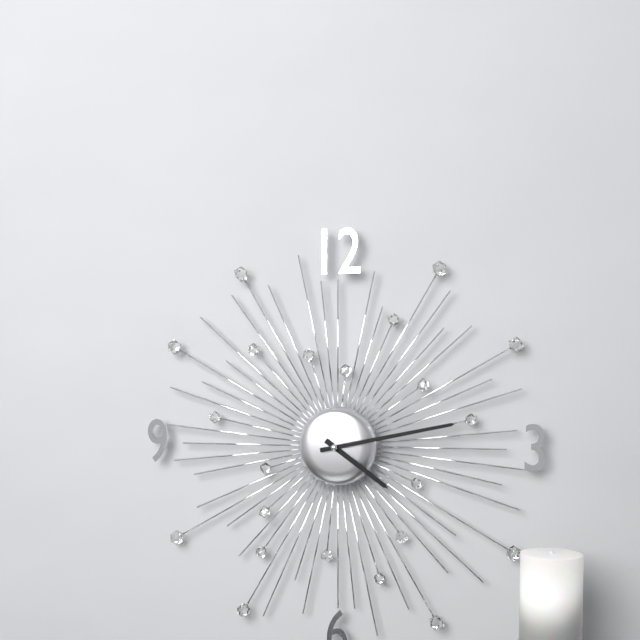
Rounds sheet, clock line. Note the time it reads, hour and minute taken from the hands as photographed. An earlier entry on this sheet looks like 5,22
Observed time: 4,13
